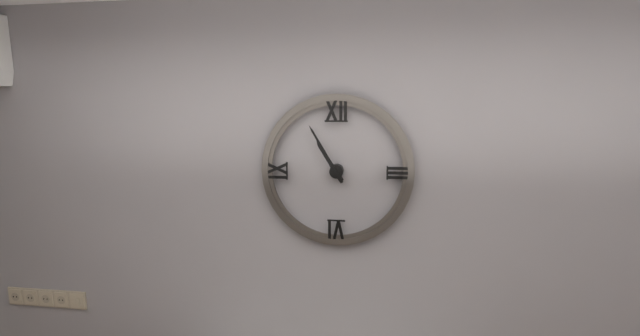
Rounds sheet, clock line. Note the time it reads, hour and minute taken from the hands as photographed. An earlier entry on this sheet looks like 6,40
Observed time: 10,55
